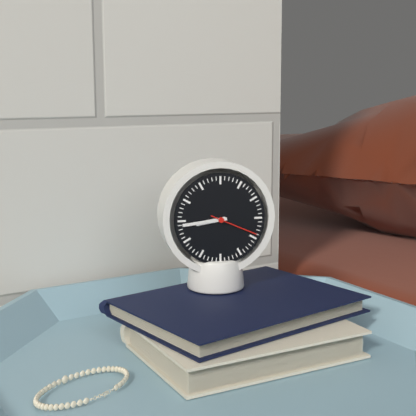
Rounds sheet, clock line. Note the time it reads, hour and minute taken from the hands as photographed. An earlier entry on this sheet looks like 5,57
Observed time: 8,44
